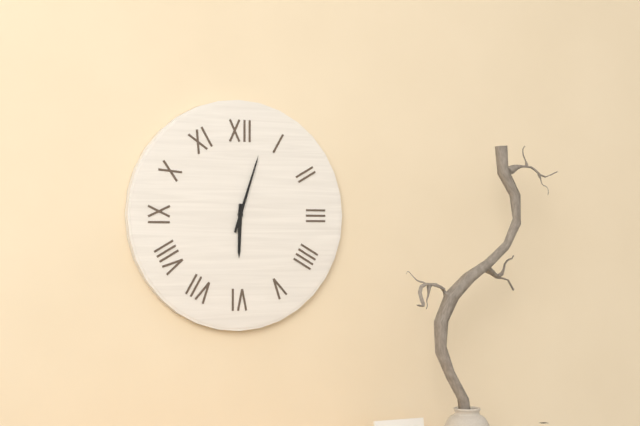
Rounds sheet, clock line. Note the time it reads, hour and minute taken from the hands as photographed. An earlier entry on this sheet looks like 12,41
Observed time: 6,03
